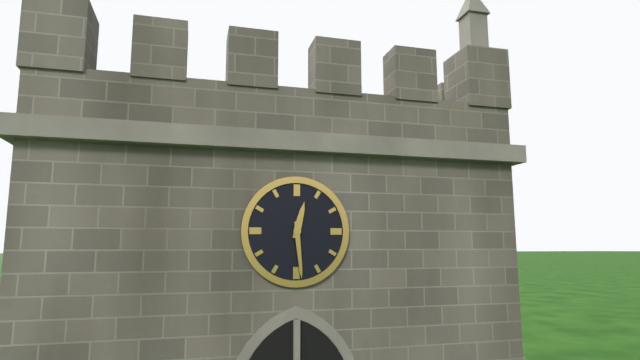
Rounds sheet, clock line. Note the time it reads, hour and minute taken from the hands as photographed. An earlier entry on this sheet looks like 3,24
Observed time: 12,29
